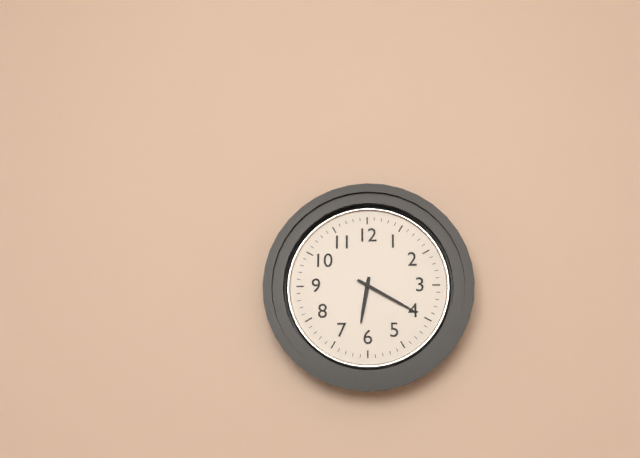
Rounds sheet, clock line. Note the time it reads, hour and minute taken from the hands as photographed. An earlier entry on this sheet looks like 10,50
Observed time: 6,20
